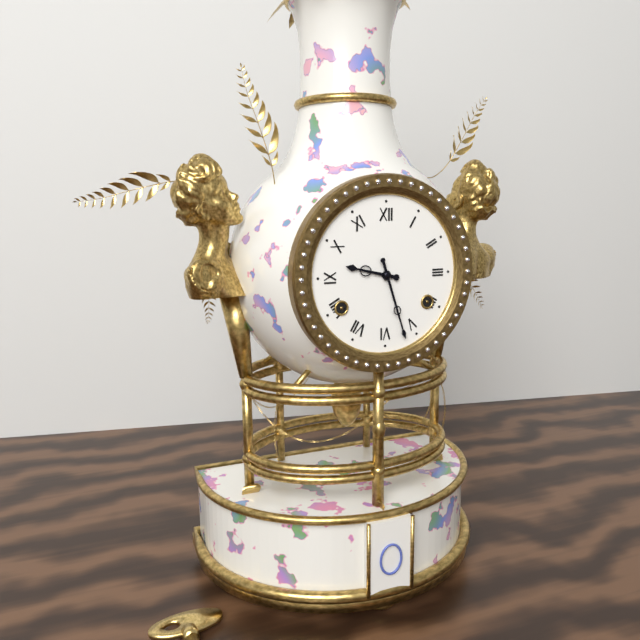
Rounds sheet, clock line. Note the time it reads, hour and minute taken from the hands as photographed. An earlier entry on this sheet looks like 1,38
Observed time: 9,27
